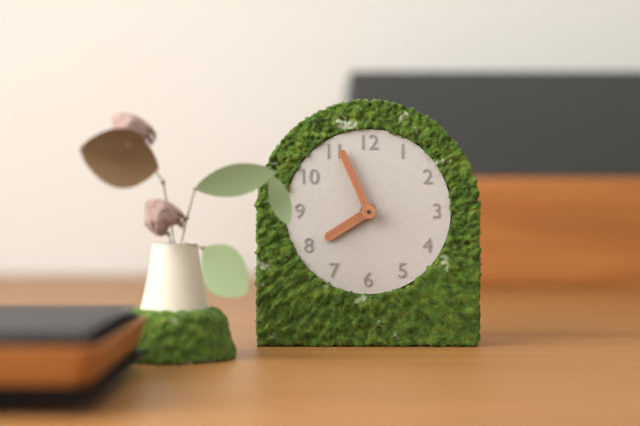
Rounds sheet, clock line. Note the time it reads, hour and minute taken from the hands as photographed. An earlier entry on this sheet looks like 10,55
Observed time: 7,56
